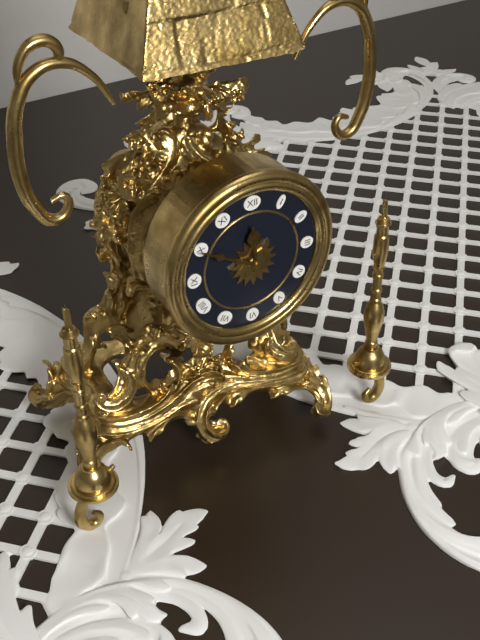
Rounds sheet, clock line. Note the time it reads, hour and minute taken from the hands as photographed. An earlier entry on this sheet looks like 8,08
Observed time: 11,50
